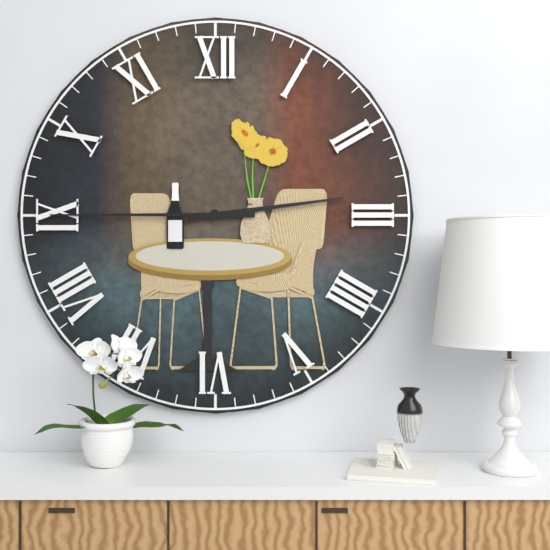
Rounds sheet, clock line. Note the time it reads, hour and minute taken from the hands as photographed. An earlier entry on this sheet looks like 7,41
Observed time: 2,45
